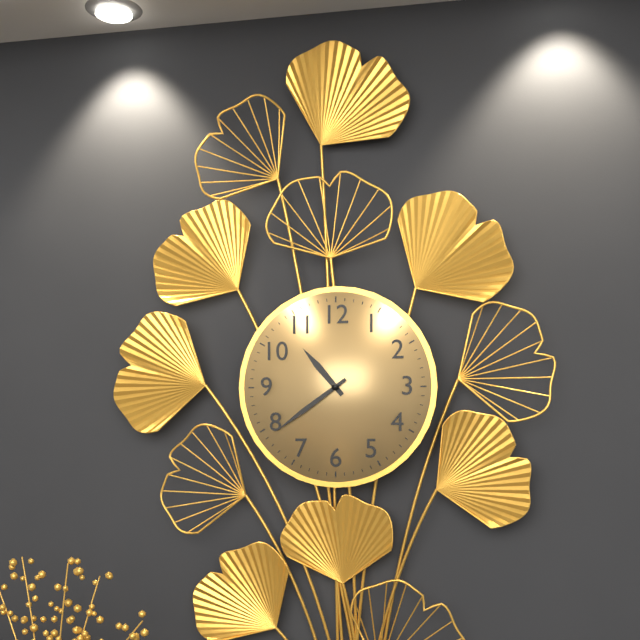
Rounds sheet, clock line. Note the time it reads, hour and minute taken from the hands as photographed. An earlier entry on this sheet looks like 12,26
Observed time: 10,39
